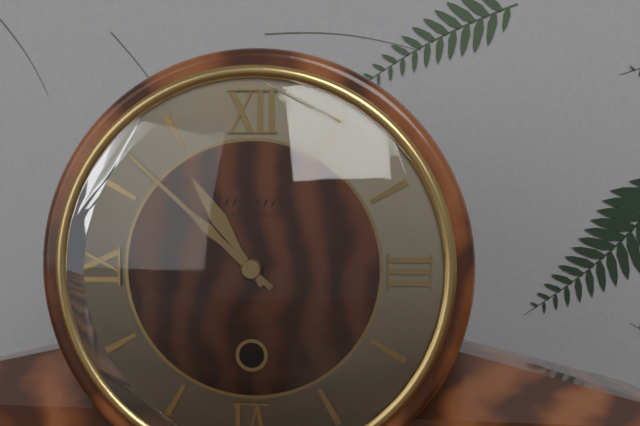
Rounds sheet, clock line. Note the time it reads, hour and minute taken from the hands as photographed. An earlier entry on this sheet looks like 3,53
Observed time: 10,52
